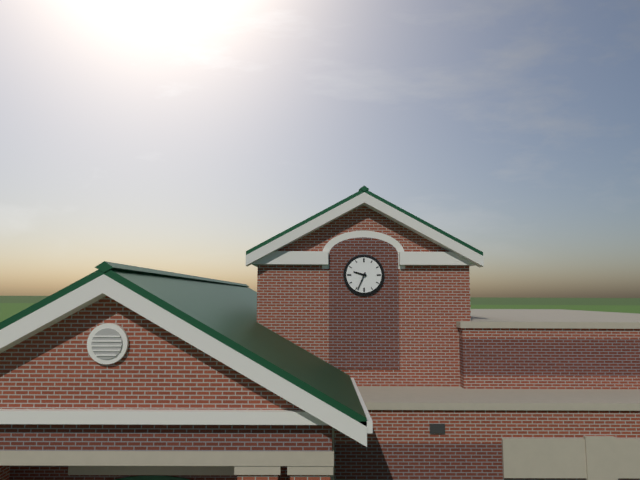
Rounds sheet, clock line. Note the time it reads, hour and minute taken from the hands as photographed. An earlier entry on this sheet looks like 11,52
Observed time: 9,34
